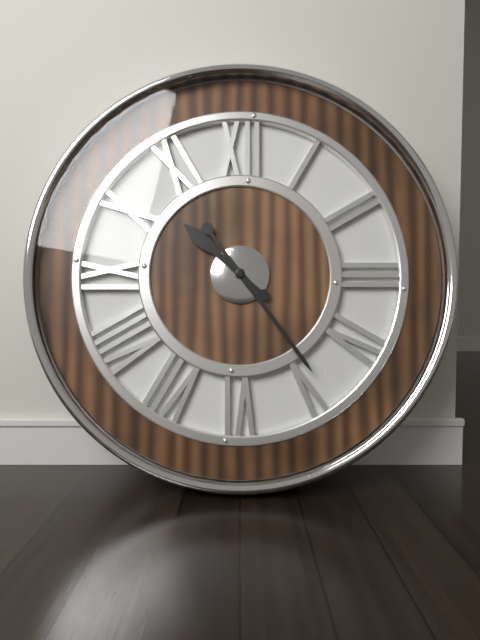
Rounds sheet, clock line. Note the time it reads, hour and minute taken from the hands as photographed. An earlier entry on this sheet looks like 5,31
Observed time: 10,24
